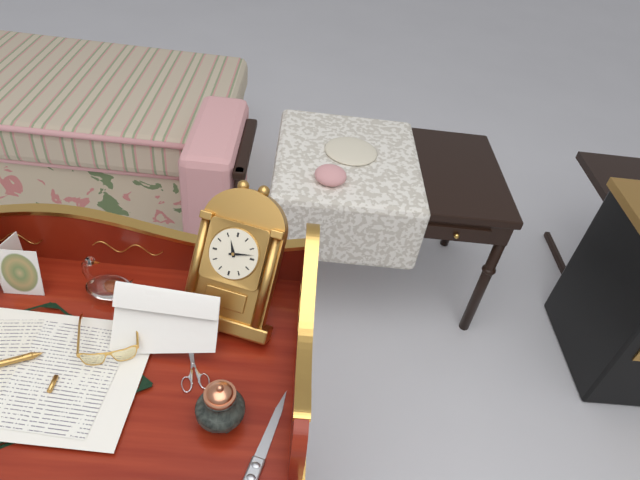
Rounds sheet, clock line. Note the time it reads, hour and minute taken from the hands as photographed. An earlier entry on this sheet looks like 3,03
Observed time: 11,13
